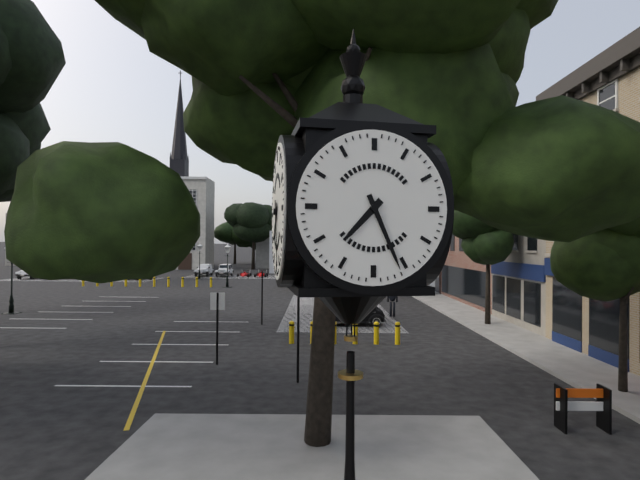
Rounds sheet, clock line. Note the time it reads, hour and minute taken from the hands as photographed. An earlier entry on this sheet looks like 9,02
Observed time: 7,26
